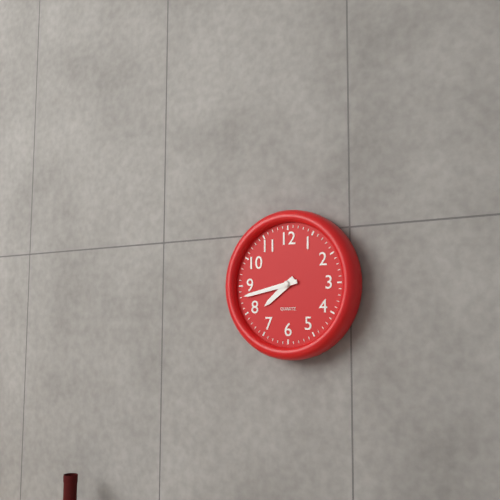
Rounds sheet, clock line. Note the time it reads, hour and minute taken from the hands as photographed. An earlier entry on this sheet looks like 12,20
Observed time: 7,43
